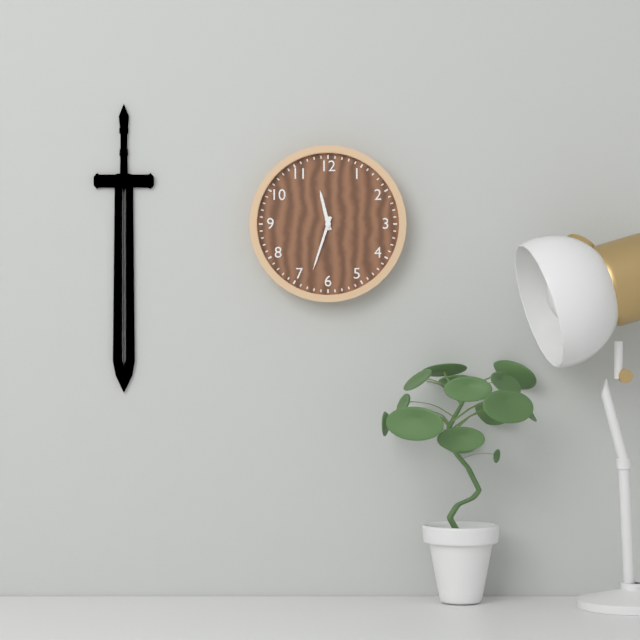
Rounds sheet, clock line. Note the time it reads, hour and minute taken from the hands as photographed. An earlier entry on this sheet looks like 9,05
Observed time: 11,33
